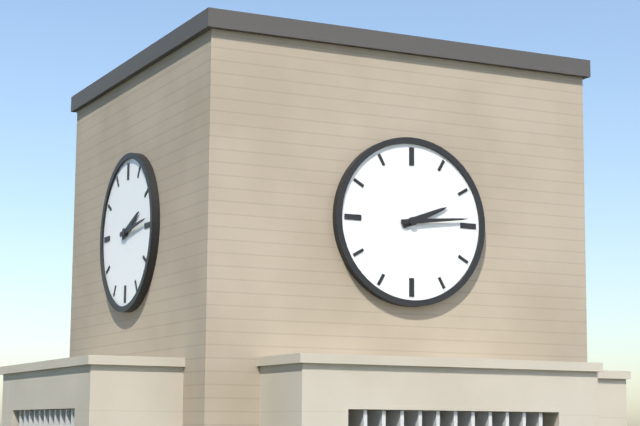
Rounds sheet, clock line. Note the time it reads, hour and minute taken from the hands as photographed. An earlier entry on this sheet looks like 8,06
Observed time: 2,14
